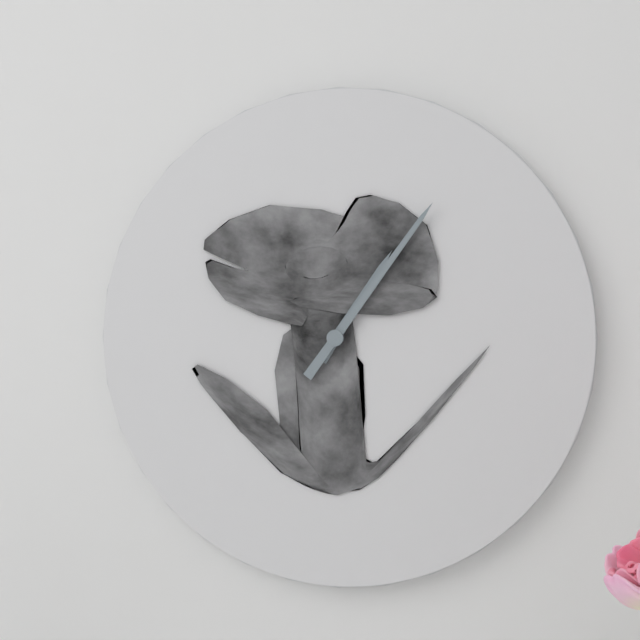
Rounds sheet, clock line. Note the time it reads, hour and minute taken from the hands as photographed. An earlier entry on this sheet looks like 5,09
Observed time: 1,06
